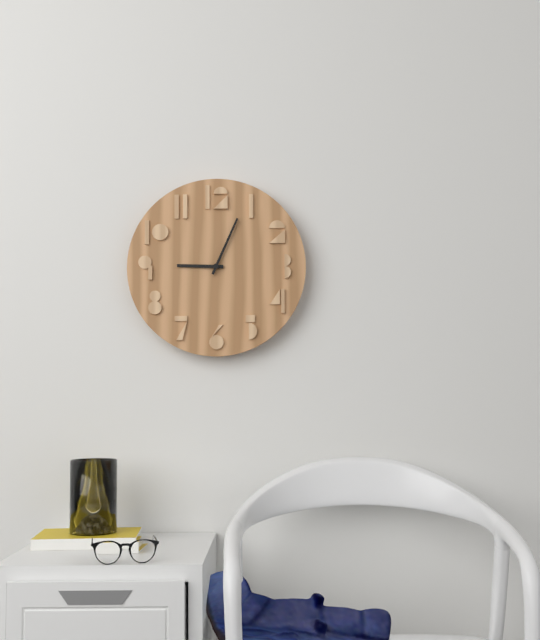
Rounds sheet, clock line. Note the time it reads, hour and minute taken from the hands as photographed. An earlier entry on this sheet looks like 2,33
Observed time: 9,04
